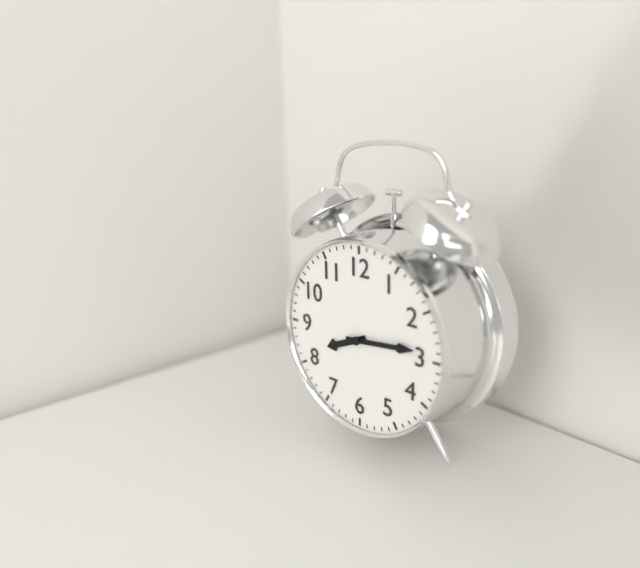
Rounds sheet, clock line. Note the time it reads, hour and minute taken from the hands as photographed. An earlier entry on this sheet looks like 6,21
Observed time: 8,14
